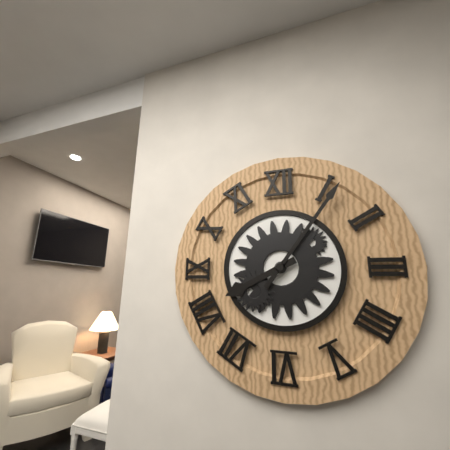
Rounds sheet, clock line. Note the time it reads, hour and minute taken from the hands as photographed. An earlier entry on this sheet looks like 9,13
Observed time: 8,06
